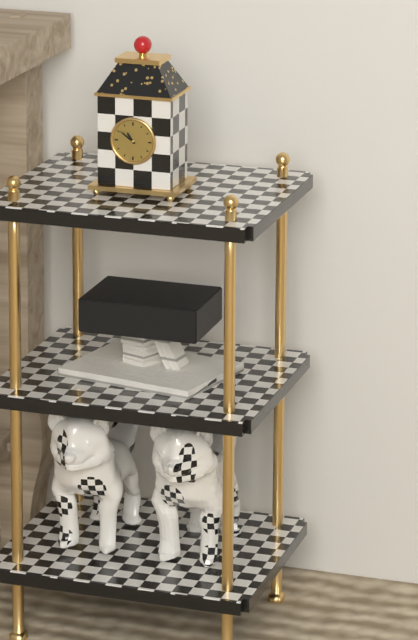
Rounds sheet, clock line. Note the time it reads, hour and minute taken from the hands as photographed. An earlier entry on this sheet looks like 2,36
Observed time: 10,51
